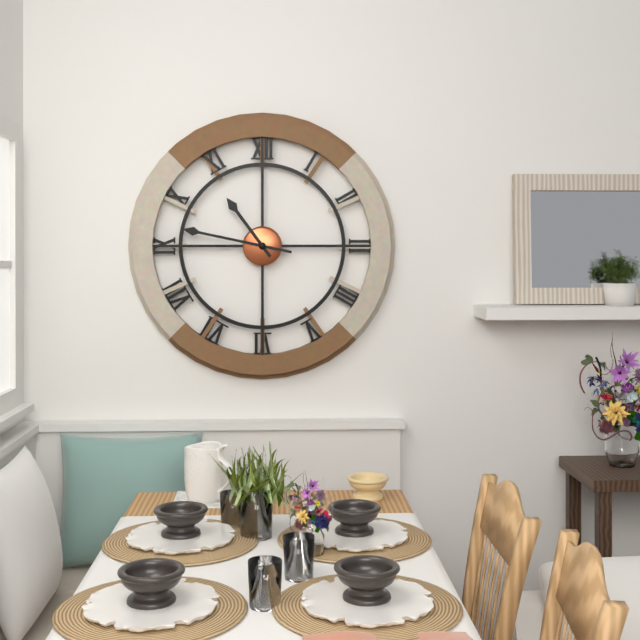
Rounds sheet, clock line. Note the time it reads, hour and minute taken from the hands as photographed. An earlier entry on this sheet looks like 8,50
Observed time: 10,47
